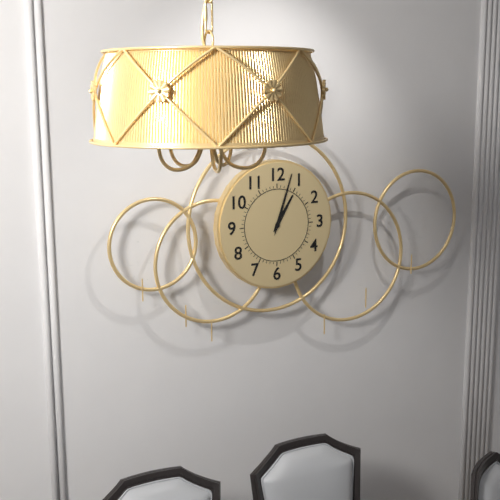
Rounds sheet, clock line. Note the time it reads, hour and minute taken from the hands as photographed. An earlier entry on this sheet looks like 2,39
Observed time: 1,03
